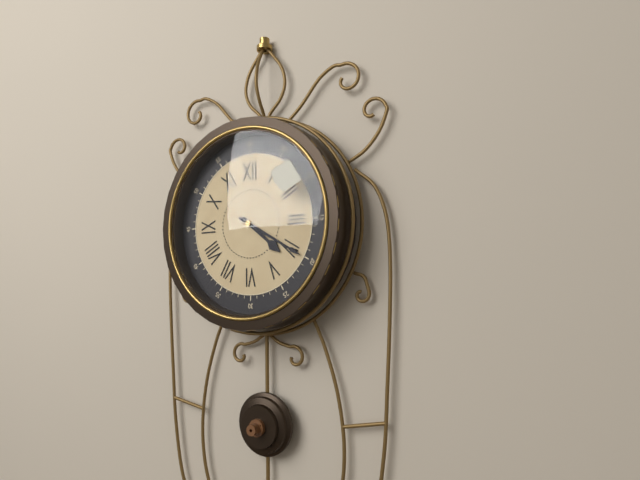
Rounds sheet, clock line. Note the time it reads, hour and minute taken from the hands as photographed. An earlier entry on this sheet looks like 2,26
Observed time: 4,20
